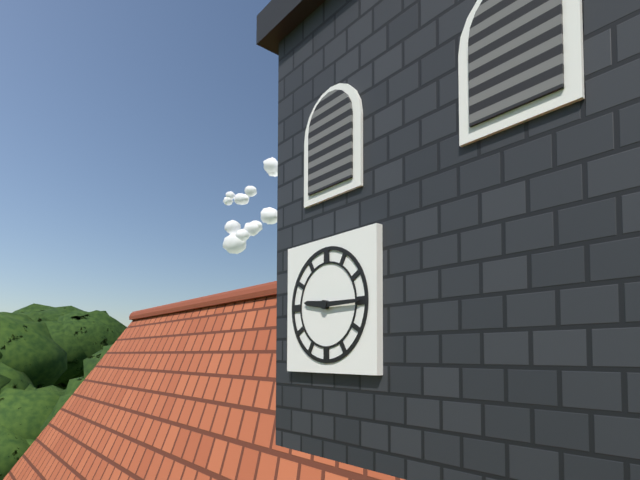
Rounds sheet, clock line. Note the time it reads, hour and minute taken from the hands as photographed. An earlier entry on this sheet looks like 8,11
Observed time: 9,15
